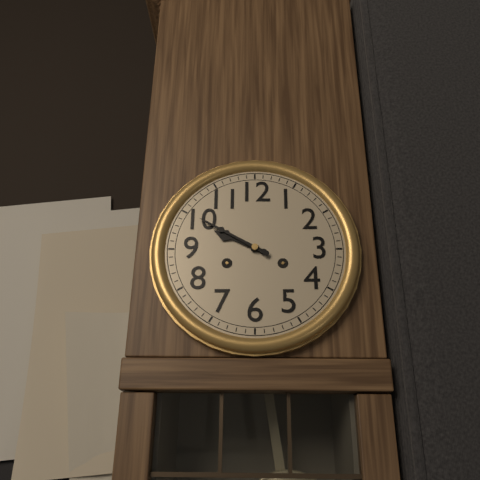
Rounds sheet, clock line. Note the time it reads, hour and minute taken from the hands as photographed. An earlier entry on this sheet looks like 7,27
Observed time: 9,50
